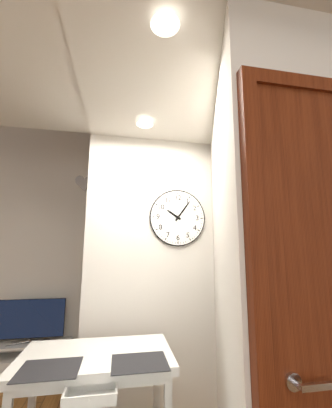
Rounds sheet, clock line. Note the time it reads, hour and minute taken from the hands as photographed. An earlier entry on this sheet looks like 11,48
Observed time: 10,06
